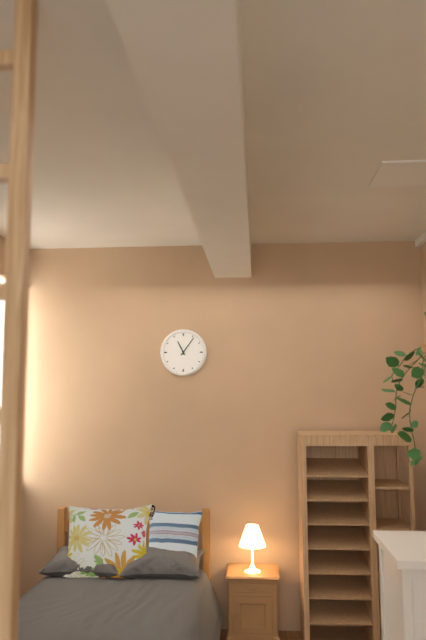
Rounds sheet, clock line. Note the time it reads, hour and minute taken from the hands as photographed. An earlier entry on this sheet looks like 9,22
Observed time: 11,06
